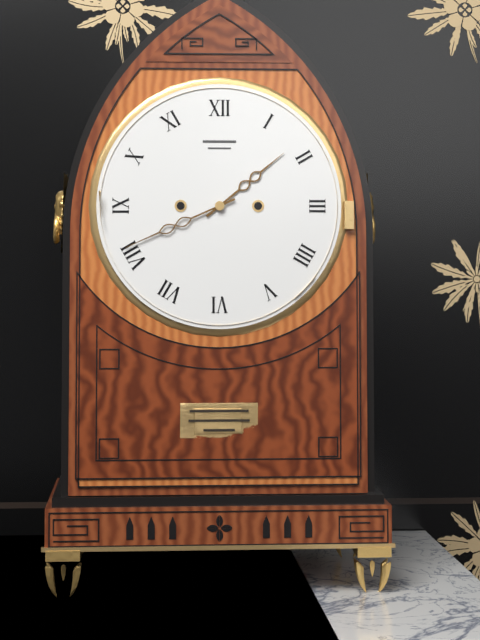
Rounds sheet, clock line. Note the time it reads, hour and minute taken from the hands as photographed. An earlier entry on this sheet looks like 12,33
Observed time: 1,41
